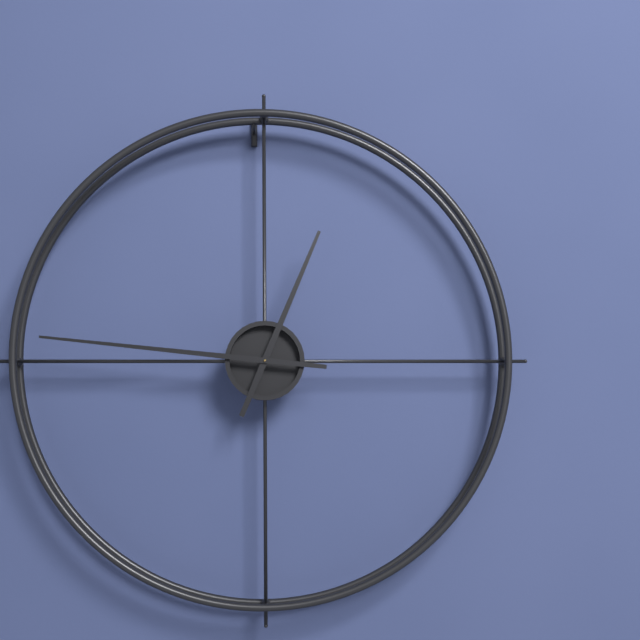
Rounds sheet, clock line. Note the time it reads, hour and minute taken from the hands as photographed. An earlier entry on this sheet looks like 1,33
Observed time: 12,46
